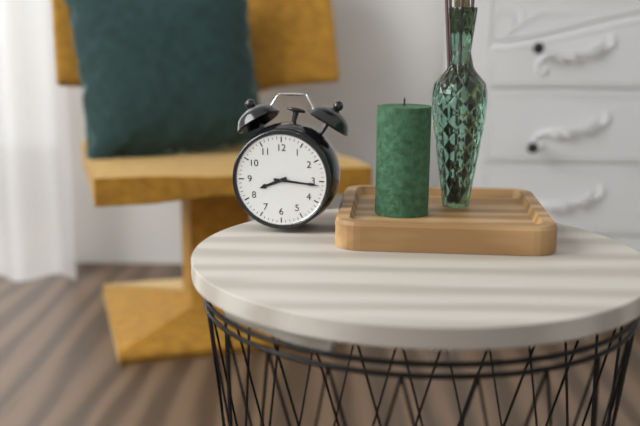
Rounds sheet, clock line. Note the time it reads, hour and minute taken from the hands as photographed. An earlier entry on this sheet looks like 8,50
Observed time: 8,16
